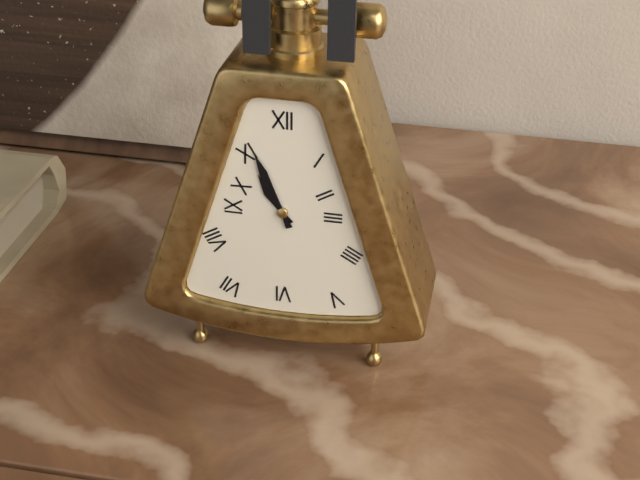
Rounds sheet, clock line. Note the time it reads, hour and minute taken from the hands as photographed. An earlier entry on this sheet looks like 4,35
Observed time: 10,56
